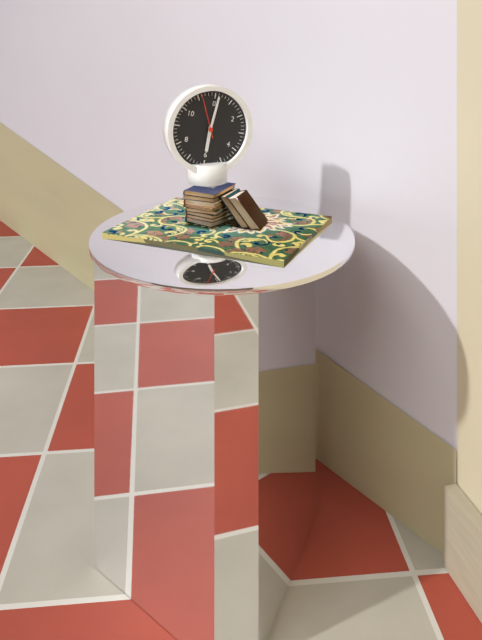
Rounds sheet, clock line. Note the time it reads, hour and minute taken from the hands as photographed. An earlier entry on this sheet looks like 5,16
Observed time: 6,01
